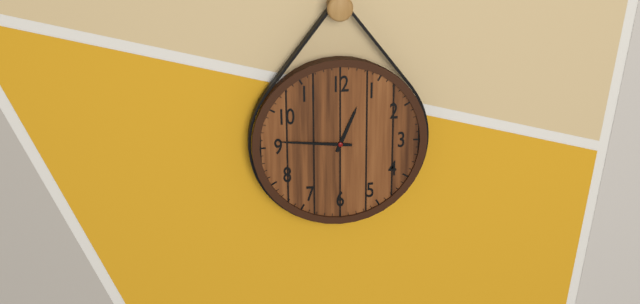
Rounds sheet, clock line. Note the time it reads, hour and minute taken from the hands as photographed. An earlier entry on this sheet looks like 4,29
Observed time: 12,46
